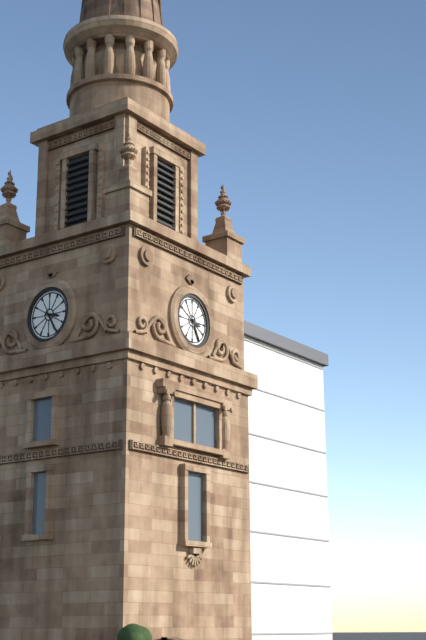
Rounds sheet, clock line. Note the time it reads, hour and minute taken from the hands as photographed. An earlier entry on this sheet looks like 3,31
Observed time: 3,25
